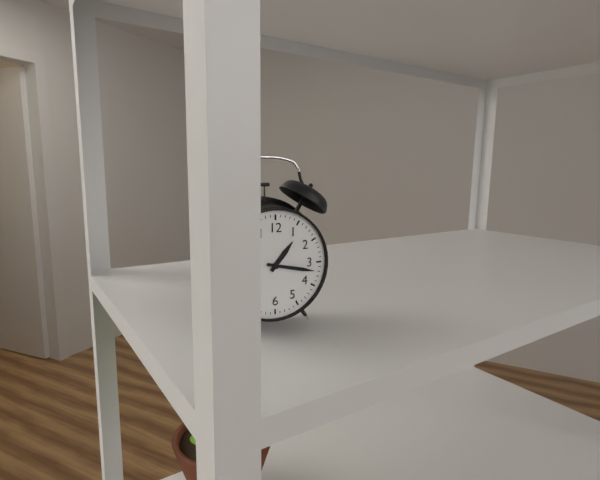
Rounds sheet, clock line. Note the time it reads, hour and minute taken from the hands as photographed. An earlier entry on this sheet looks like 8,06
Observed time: 1,17
